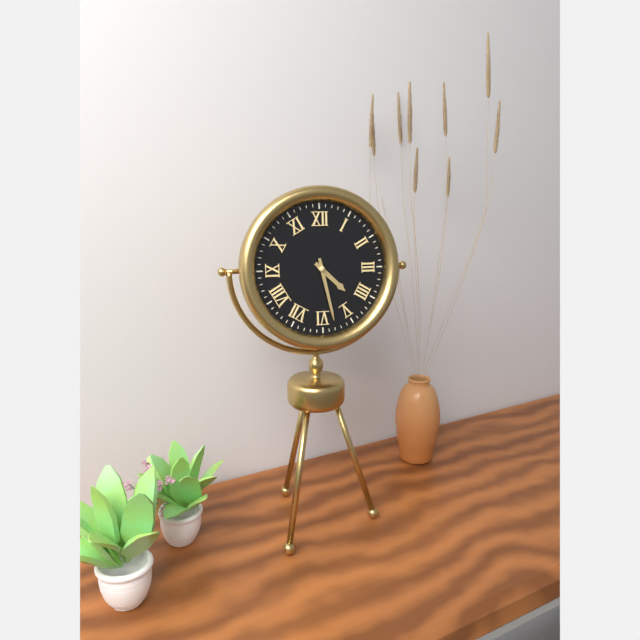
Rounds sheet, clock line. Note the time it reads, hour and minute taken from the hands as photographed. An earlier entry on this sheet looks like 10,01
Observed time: 4,28
